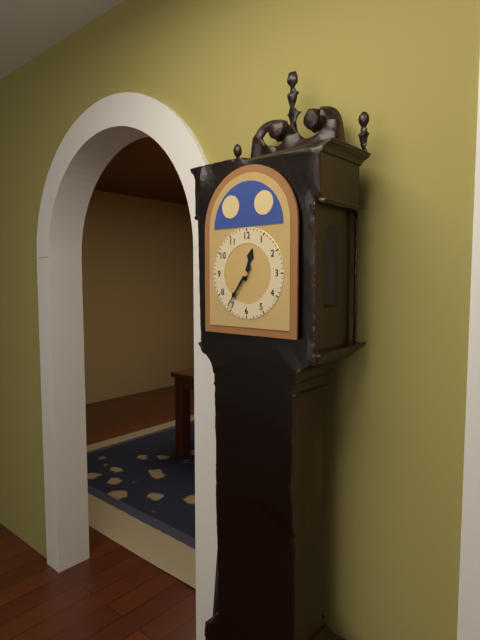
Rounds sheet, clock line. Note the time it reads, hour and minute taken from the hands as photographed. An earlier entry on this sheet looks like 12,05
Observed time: 12,36
